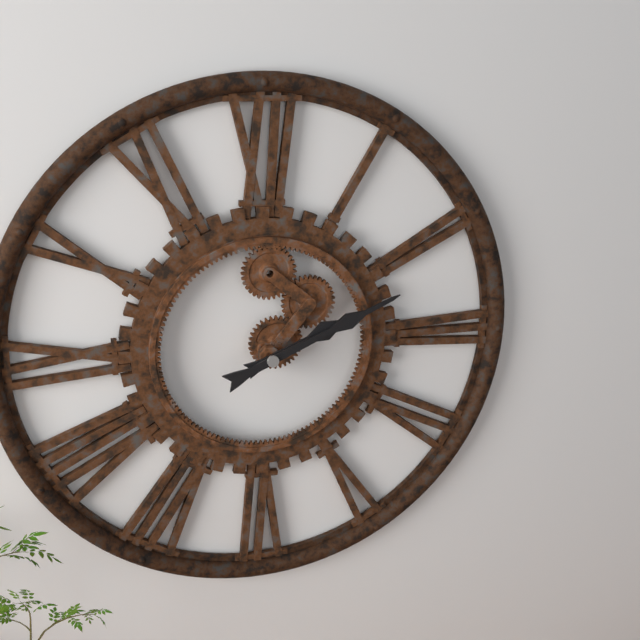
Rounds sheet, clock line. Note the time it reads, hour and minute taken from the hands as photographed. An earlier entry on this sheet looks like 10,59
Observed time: 2,11
